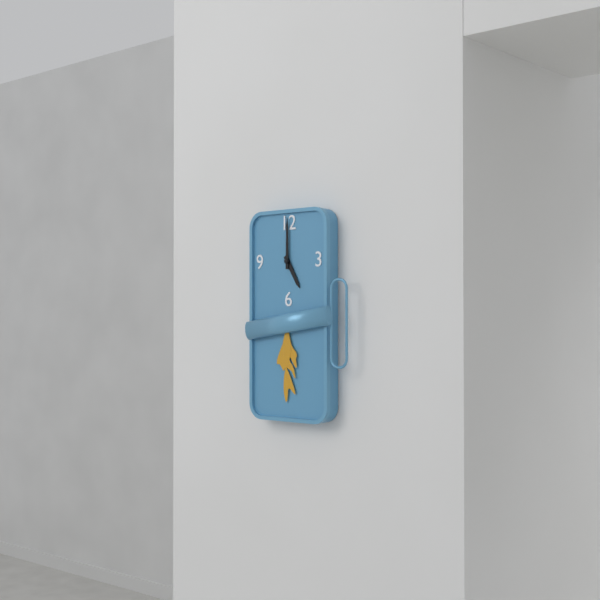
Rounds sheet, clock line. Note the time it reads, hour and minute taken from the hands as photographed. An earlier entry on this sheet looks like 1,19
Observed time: 5,00
